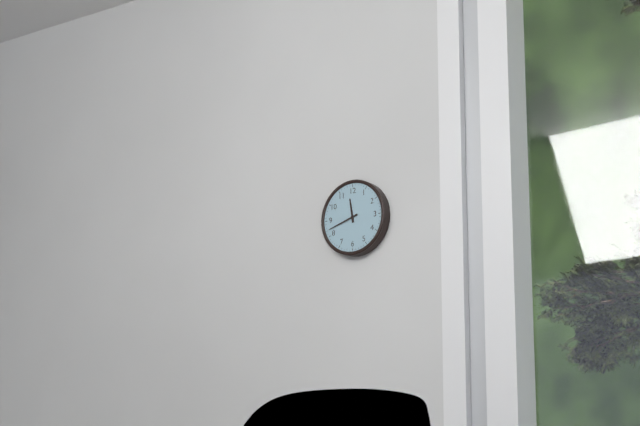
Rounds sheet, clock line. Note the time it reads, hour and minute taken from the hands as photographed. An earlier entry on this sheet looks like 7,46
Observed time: 11,42
